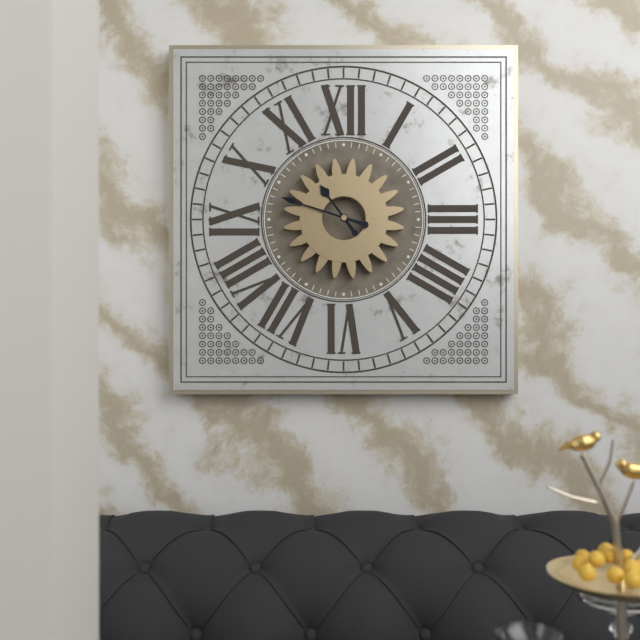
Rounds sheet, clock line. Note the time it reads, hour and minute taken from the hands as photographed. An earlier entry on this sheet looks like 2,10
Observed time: 10,48
